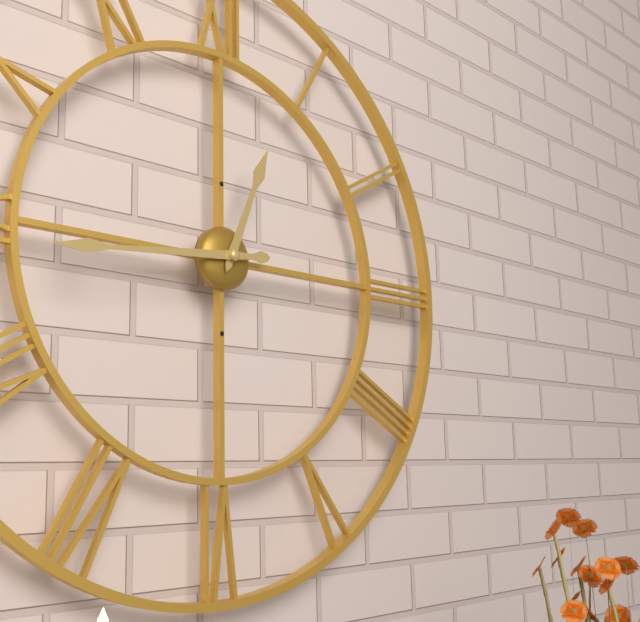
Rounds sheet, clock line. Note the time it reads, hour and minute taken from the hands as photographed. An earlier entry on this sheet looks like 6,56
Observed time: 12,44
